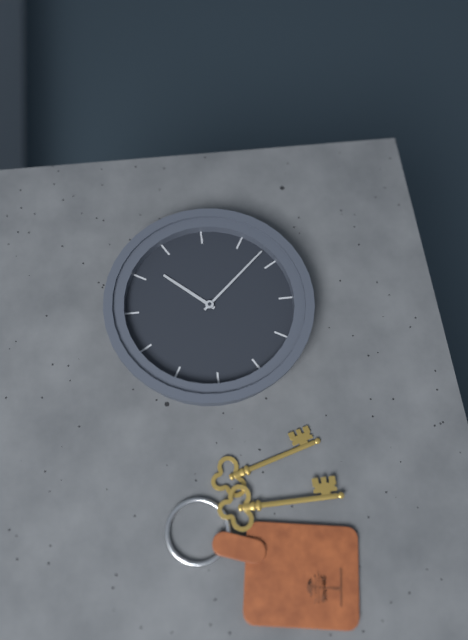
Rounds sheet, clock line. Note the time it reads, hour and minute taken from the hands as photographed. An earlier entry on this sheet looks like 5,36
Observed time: 1,23
